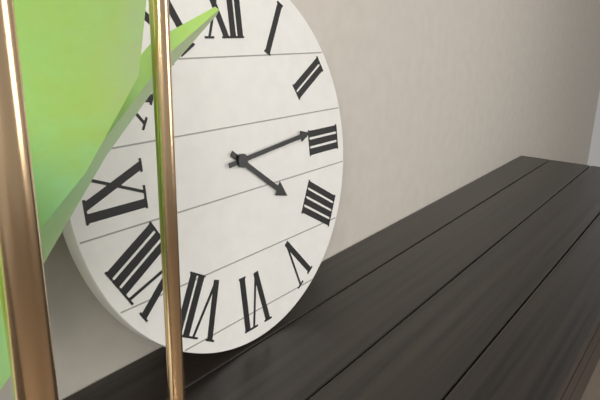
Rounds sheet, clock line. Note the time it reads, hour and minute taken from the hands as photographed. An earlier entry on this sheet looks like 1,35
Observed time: 4,14
